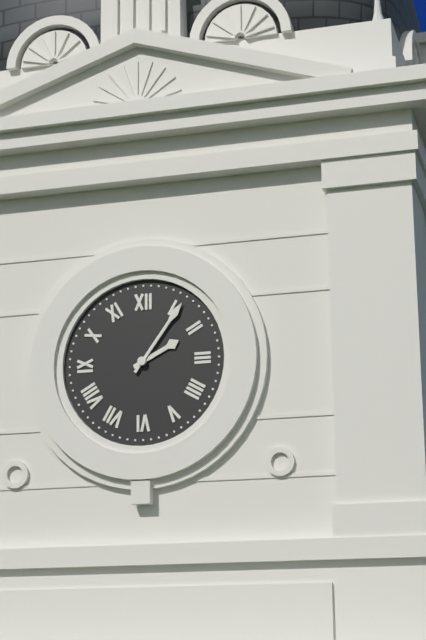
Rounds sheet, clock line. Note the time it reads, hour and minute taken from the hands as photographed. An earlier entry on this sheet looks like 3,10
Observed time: 2,06
